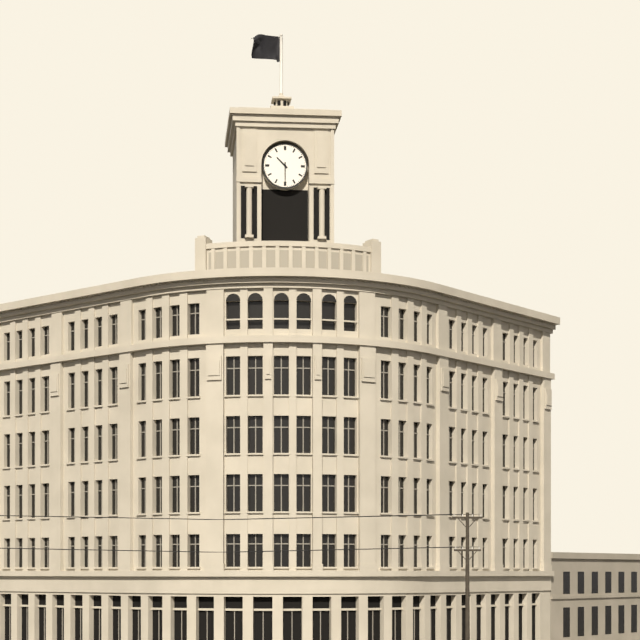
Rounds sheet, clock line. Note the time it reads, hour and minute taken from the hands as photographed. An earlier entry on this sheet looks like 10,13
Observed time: 10,30
